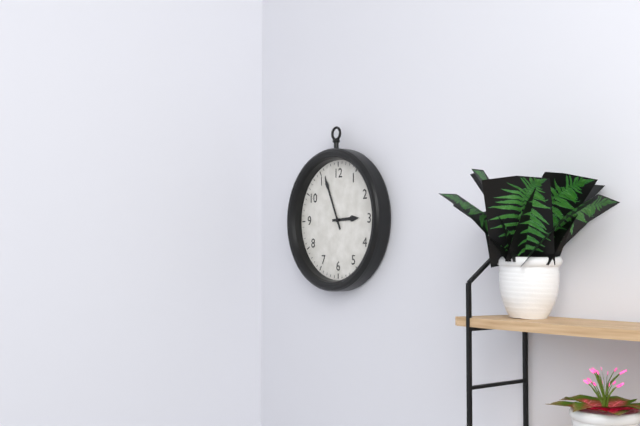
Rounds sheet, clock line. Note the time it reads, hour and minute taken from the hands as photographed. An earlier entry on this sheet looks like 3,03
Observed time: 2,56
